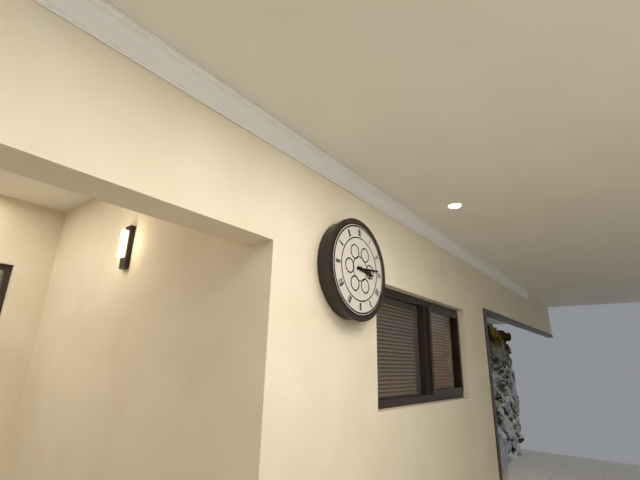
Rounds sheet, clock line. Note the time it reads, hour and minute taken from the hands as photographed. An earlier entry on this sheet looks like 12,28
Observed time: 3,14
